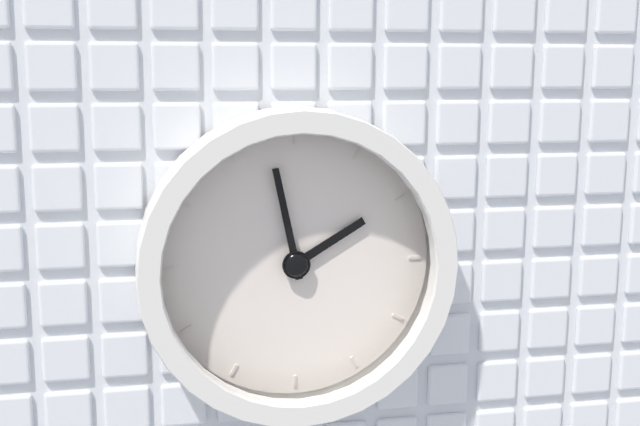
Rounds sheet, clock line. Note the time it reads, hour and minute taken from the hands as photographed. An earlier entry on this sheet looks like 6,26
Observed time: 1,58
